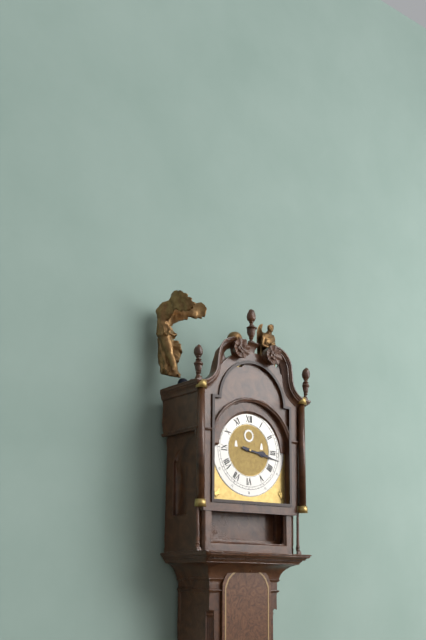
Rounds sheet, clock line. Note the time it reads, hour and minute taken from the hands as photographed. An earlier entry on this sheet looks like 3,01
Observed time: 3,17
